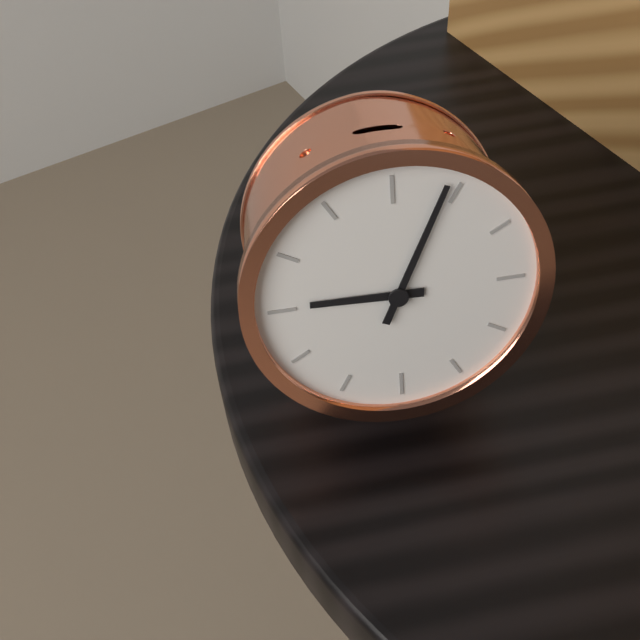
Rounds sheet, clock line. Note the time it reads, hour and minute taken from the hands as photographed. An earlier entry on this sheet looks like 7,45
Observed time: 9,04
